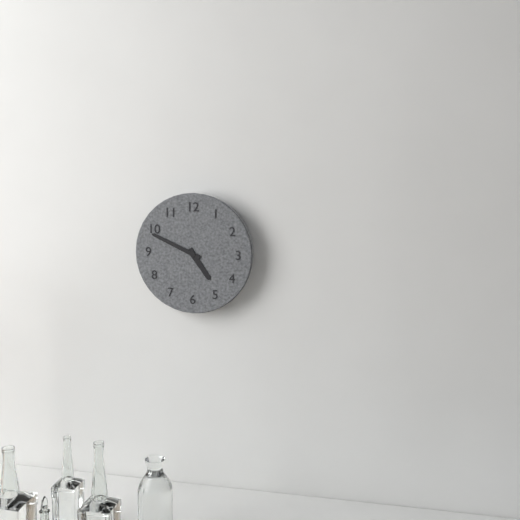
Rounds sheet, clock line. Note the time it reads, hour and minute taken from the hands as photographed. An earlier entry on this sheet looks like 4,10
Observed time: 4,49
